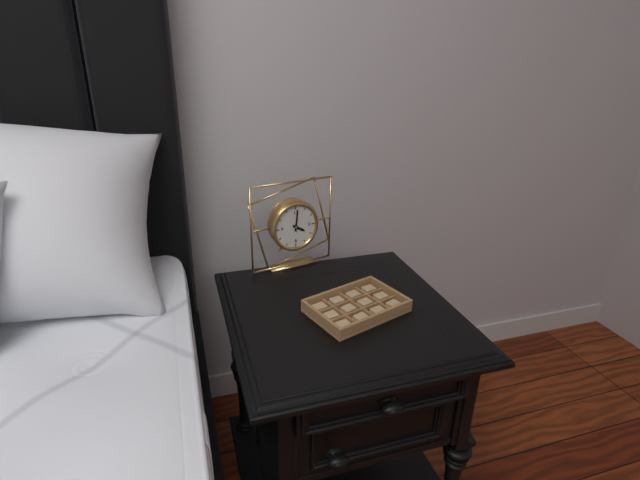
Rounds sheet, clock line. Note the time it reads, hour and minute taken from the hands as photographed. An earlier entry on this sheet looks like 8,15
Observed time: 4,01
